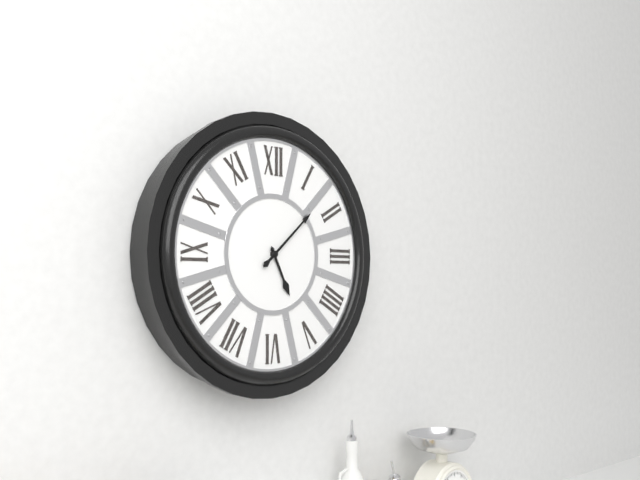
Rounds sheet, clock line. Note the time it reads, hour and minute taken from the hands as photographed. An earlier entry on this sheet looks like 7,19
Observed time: 5,08
